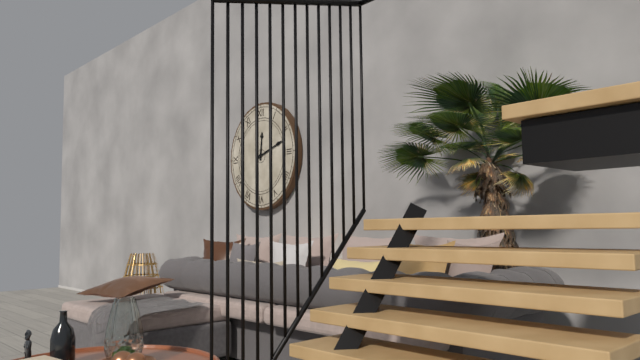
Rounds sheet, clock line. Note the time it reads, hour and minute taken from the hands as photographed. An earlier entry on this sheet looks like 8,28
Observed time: 12,12
